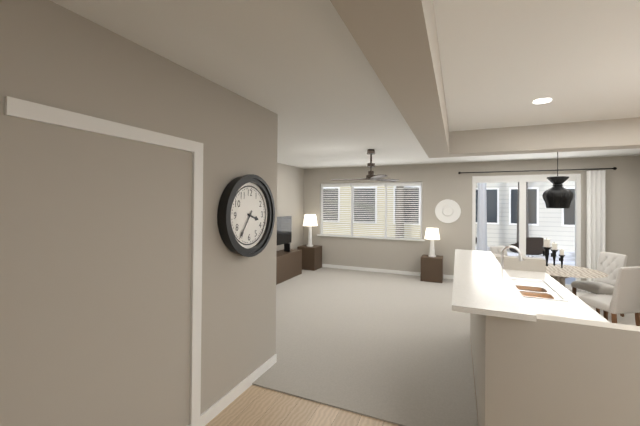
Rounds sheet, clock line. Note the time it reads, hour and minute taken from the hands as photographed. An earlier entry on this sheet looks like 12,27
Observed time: 3,36
